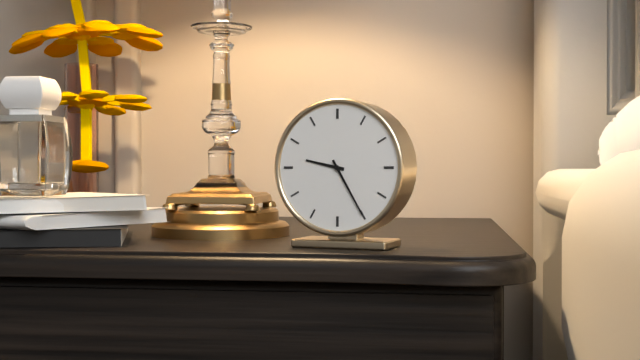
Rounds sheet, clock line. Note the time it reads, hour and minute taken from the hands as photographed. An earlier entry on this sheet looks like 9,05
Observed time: 9,25
